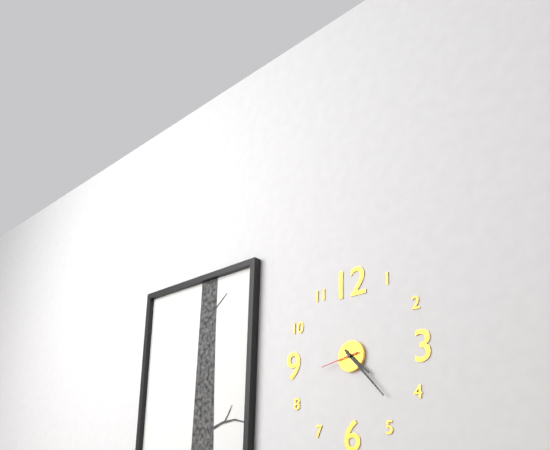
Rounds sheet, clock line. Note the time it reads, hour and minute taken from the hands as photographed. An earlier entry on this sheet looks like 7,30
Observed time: 4,23
